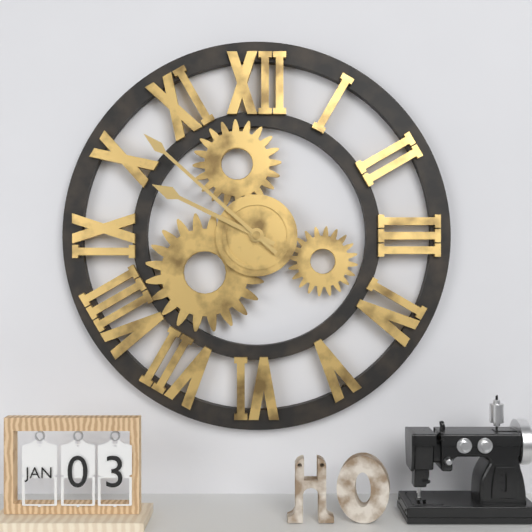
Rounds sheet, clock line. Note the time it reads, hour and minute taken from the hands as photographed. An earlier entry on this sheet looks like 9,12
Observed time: 9,52
